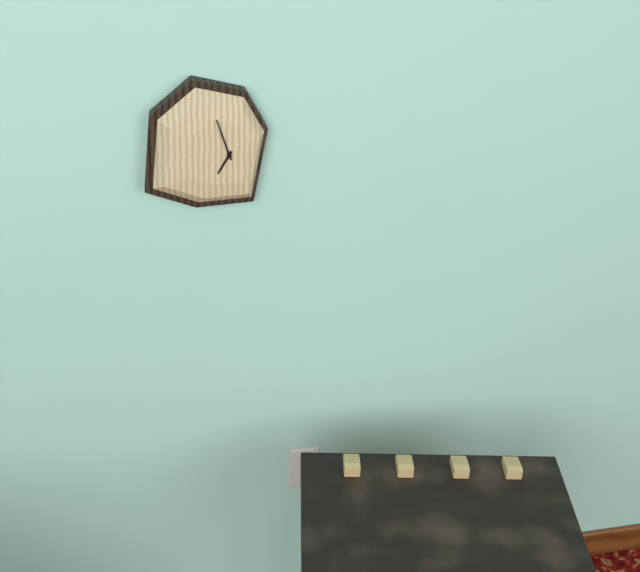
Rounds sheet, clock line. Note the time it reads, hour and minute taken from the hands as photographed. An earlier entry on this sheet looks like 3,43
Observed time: 6,57
